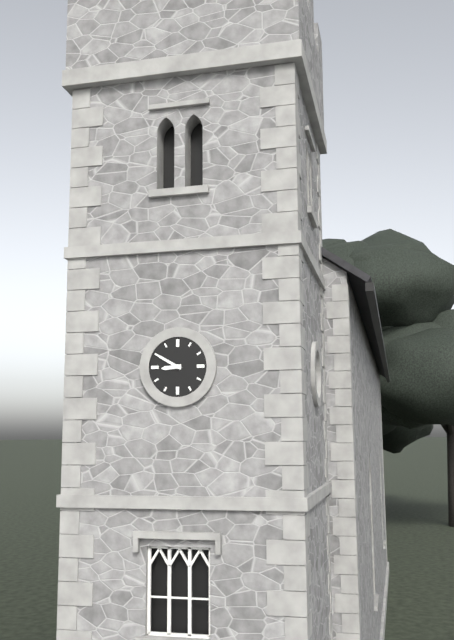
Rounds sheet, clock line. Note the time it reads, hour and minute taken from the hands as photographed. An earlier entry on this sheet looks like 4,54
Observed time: 8,50
